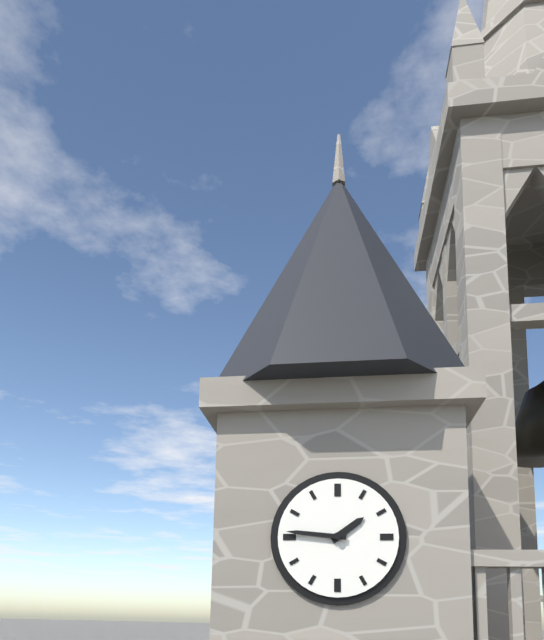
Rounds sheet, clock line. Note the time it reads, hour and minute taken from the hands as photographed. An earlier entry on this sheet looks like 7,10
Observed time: 1,46
